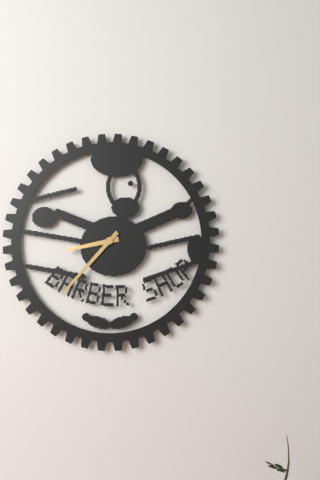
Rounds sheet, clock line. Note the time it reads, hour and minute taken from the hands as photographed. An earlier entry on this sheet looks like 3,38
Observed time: 8,37
